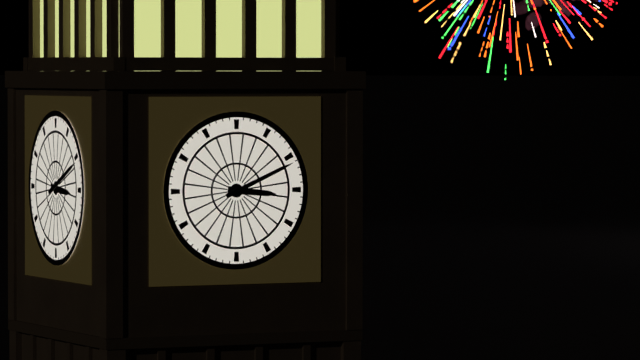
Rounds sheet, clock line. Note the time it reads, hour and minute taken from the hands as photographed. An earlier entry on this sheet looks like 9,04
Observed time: 3,11
